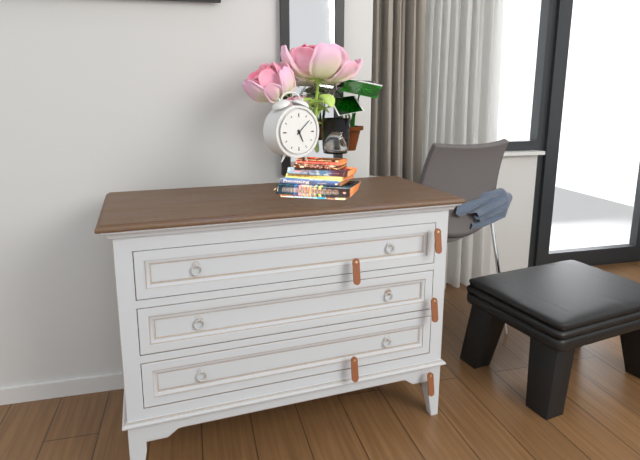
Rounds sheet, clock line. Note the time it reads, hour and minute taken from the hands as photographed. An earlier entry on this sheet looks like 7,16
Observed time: 5,08
